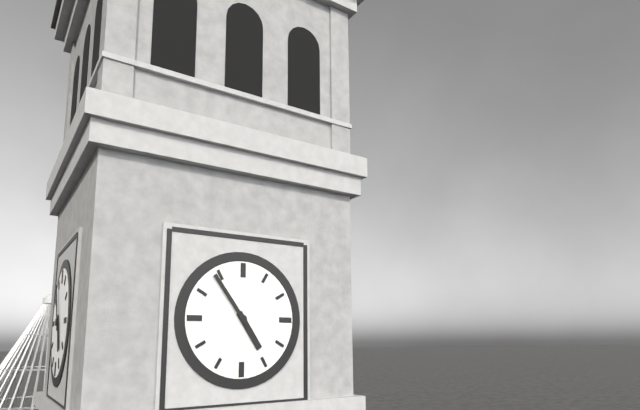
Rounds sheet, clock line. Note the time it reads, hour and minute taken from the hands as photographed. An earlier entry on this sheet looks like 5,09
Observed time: 4,54
